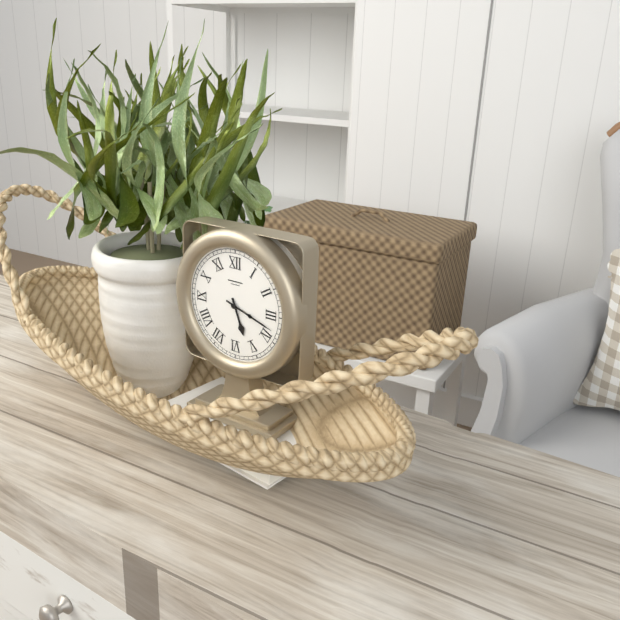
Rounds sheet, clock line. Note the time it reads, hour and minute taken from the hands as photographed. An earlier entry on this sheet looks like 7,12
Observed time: 5,18
